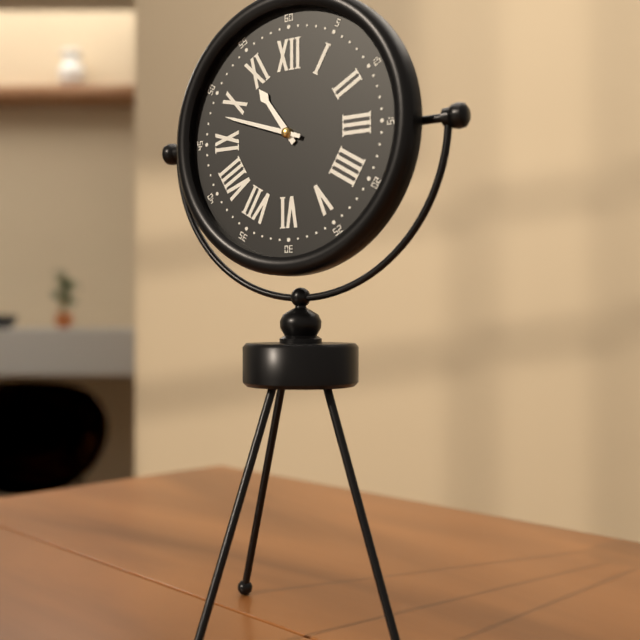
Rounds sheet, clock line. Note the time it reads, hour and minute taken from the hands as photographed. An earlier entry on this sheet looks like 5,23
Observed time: 10,48
